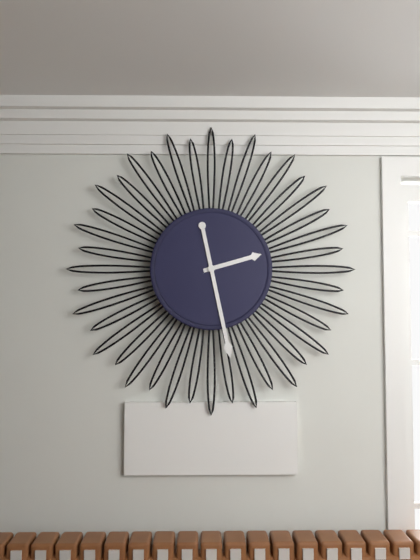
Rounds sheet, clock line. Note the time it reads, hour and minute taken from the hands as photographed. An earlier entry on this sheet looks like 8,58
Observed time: 2,28
